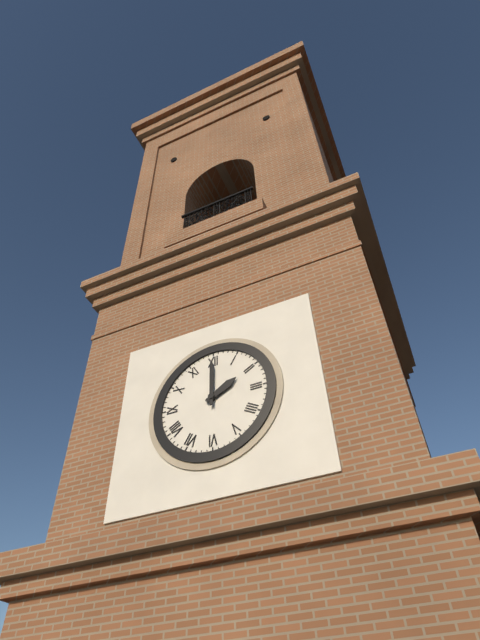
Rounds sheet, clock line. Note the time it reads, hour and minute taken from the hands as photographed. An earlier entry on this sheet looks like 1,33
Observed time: 2,00
